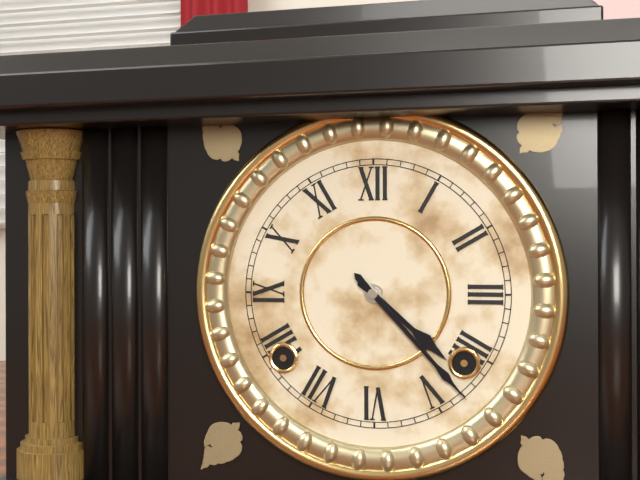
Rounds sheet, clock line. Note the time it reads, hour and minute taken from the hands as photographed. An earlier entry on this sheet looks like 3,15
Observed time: 4,23
